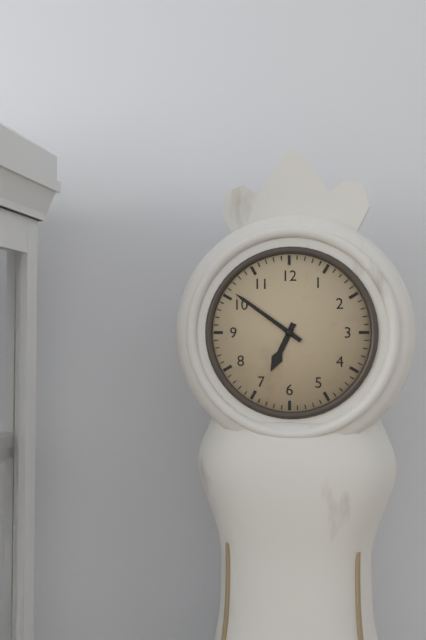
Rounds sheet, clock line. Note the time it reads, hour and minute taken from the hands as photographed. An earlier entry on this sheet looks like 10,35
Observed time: 6,51
